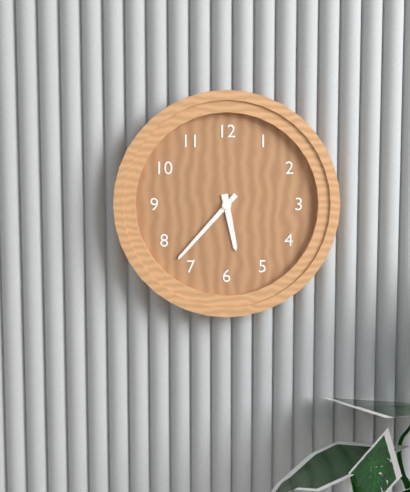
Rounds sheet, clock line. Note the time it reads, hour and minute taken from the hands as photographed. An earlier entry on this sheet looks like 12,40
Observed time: 5,37
